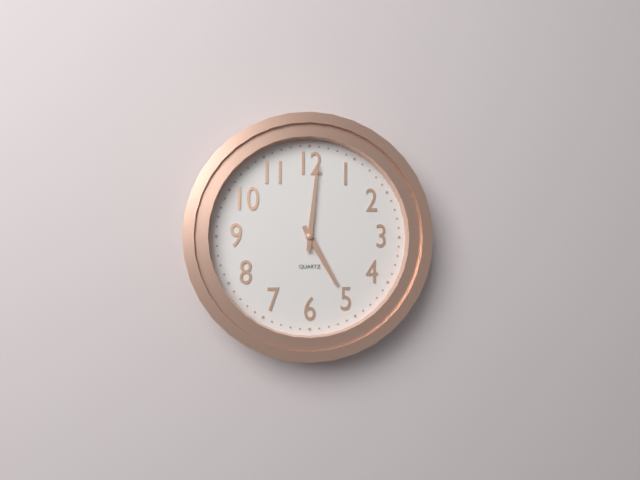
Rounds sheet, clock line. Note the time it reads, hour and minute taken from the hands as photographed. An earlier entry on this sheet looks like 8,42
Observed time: 5,01
